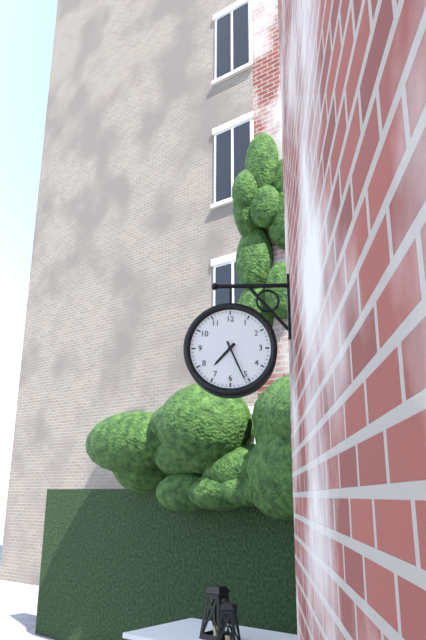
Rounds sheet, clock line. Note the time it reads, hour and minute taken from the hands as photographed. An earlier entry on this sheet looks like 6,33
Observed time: 7,26
